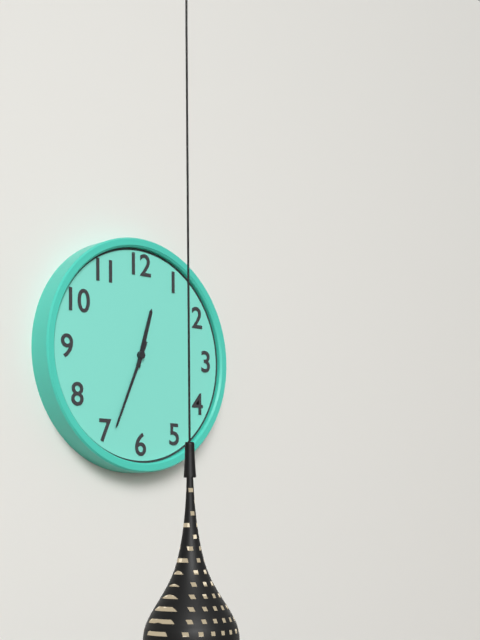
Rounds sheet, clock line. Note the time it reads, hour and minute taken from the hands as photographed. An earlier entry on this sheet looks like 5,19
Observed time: 12,34
